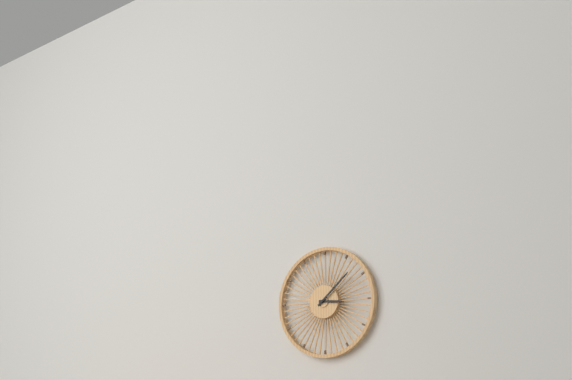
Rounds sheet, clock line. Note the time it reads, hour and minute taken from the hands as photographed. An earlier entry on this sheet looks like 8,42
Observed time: 3,08
